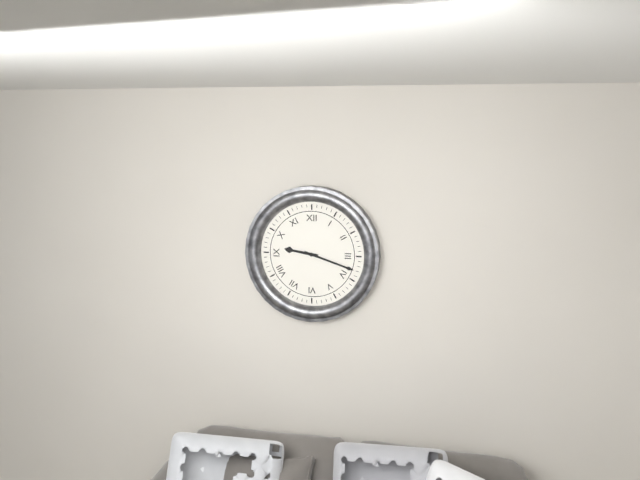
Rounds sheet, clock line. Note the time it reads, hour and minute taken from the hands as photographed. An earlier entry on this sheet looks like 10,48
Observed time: 9,18
